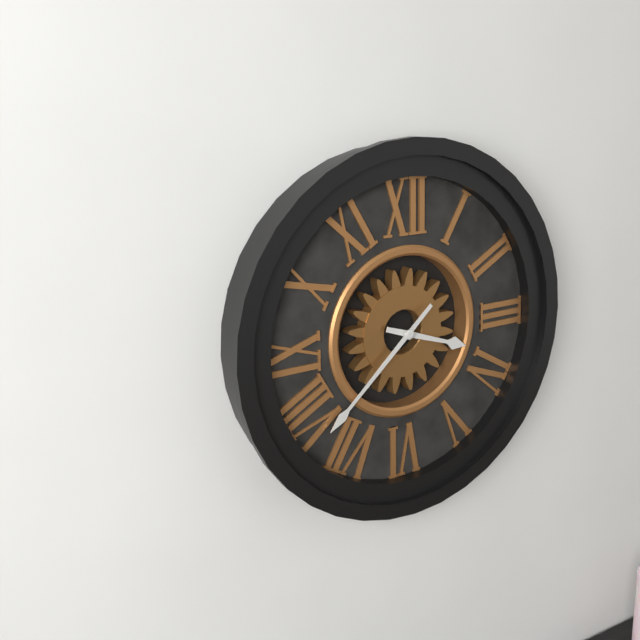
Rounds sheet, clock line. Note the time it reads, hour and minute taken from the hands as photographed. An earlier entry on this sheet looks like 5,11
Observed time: 3,38
